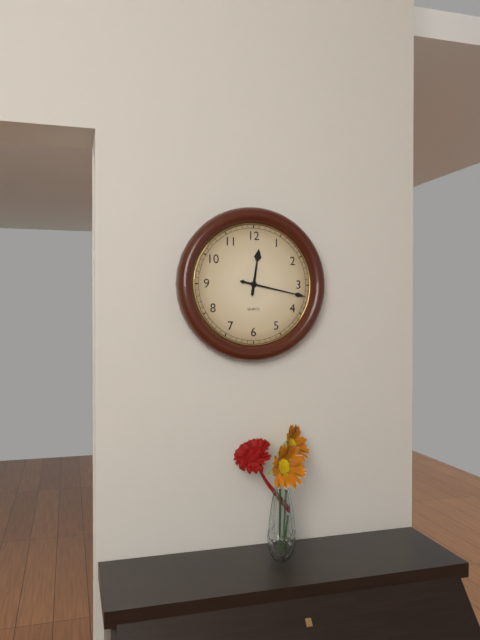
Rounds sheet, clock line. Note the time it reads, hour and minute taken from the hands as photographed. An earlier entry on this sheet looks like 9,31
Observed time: 12,17
